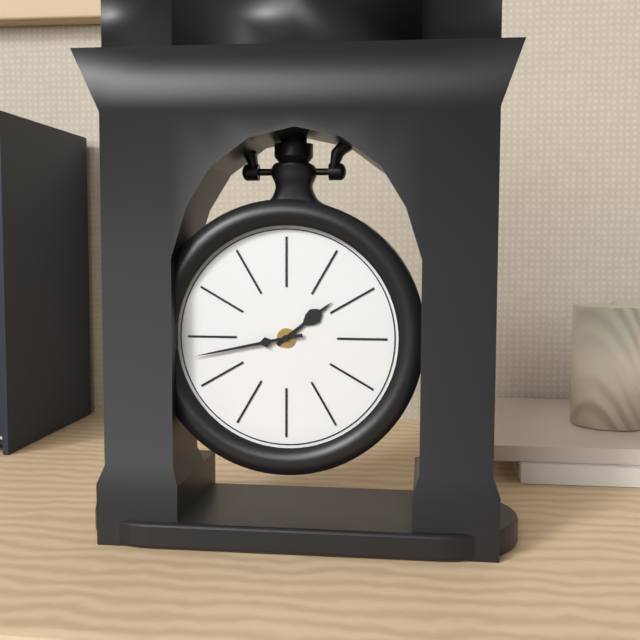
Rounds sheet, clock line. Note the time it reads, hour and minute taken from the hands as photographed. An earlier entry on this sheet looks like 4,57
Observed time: 1,43
